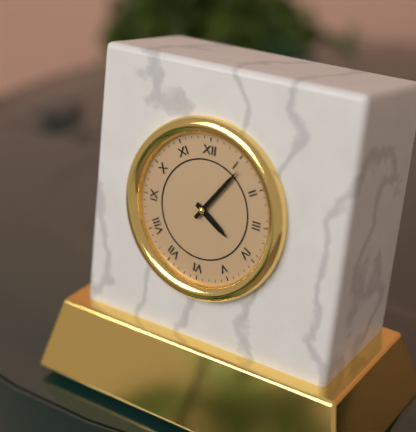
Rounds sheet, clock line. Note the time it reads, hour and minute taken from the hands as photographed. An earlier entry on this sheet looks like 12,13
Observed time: 4,06
